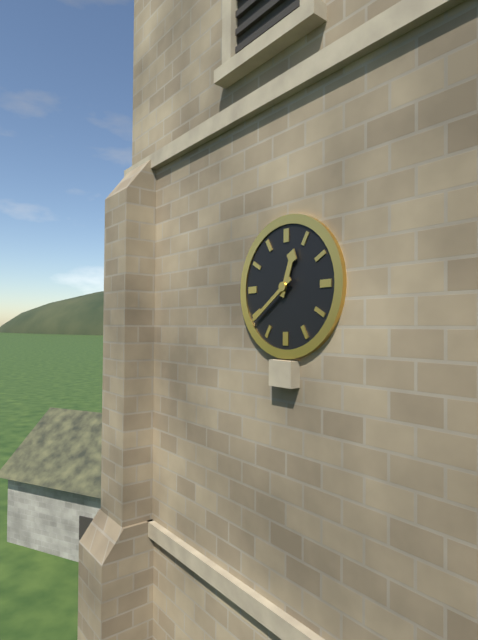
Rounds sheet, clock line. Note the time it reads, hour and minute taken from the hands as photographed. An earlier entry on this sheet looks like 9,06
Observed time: 12,39
